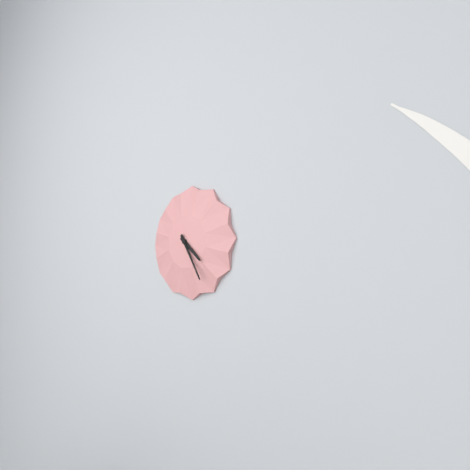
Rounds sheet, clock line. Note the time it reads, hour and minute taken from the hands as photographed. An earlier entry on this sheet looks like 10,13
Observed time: 4,25
